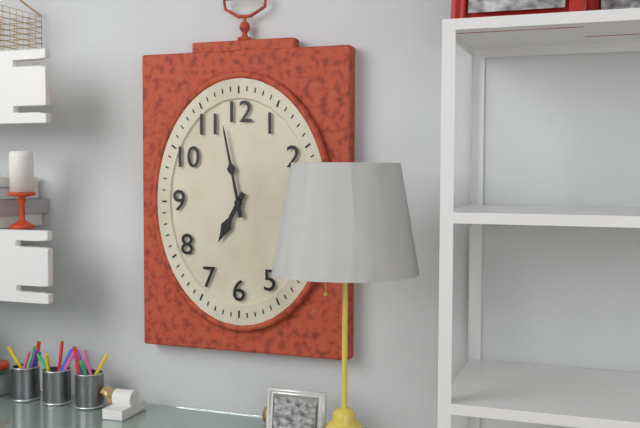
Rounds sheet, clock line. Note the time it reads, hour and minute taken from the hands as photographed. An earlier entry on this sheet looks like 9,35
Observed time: 6,58
